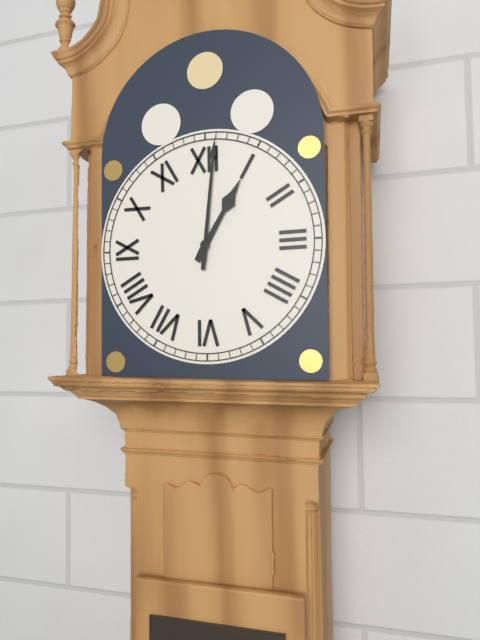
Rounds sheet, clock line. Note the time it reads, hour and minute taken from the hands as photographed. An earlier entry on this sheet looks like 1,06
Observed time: 1,01
